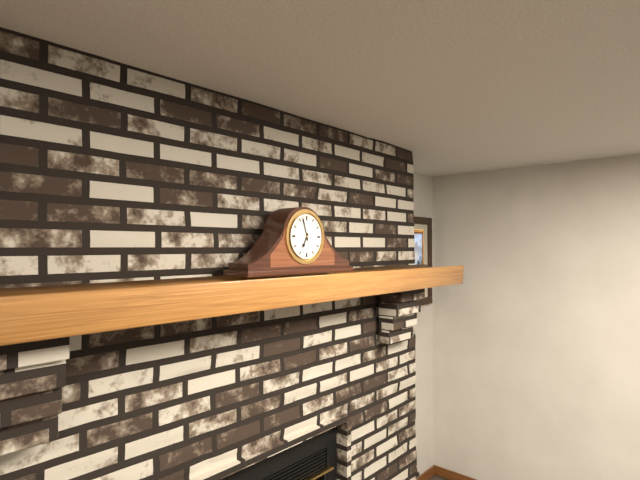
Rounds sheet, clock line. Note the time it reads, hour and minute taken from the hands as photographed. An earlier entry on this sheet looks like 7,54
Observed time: 6,57
